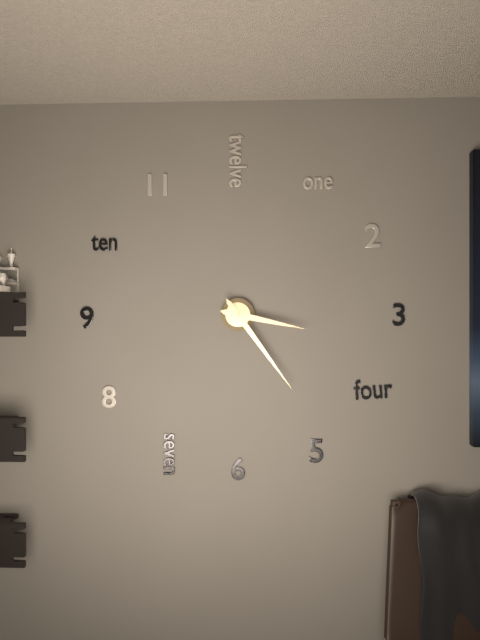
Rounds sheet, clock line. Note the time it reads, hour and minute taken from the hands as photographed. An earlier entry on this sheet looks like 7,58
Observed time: 3,24
